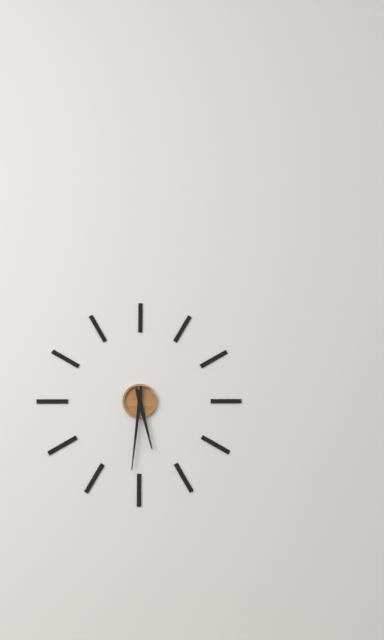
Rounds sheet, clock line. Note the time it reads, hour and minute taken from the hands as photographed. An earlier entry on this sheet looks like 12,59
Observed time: 5,31
